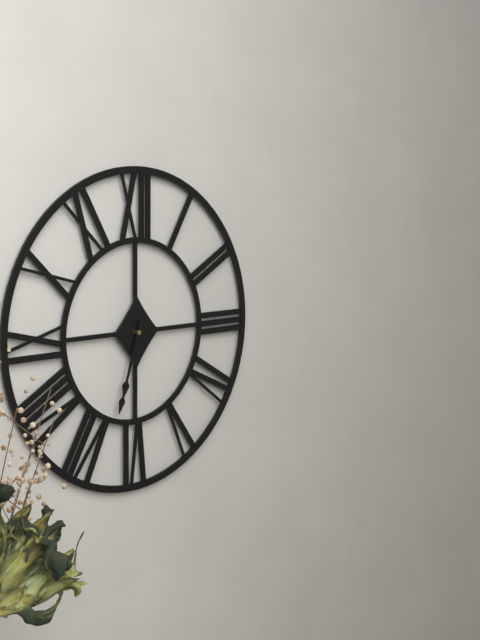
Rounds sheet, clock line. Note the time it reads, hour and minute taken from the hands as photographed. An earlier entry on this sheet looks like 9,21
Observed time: 6,33
